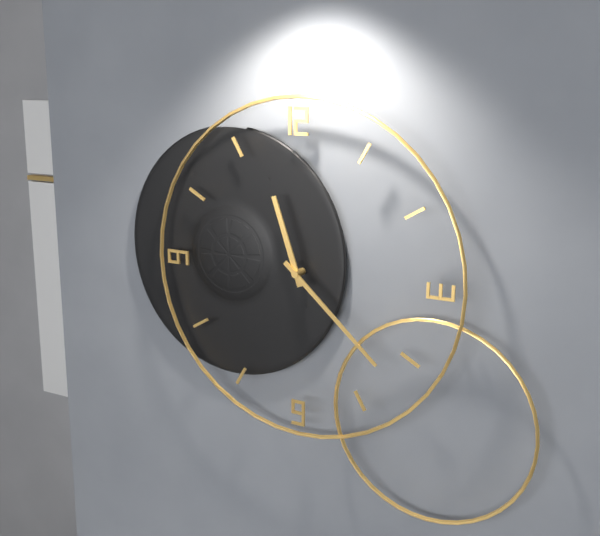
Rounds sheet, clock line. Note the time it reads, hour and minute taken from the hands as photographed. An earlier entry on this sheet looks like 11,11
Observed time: 11,22
